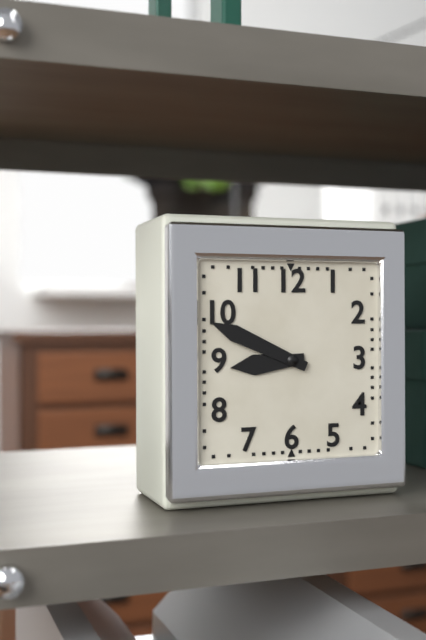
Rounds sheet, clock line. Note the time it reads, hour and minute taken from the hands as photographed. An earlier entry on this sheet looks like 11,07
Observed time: 8,49
